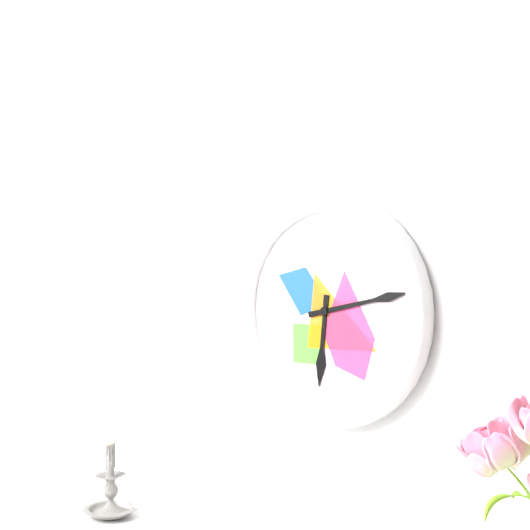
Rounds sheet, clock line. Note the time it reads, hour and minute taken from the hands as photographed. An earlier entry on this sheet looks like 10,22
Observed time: 6,13
